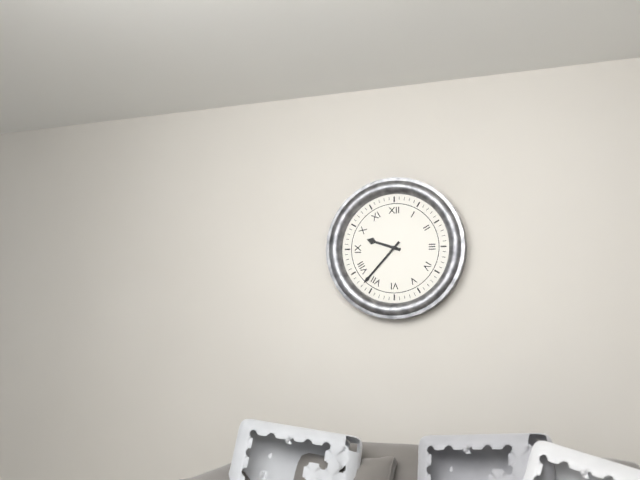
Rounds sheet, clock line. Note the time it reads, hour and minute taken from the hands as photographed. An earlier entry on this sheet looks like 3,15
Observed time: 9,37
